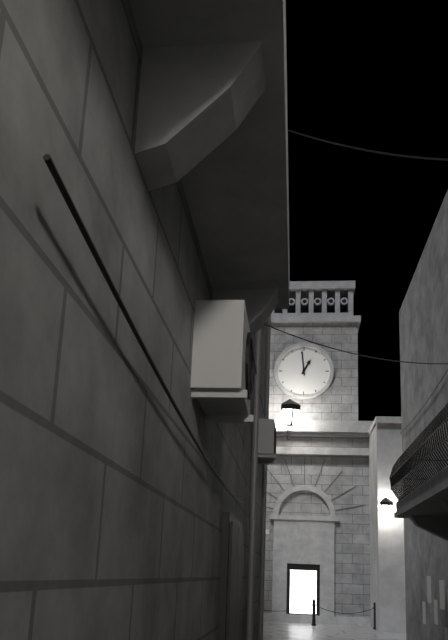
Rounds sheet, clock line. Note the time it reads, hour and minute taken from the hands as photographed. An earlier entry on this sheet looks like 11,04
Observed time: 12,59
